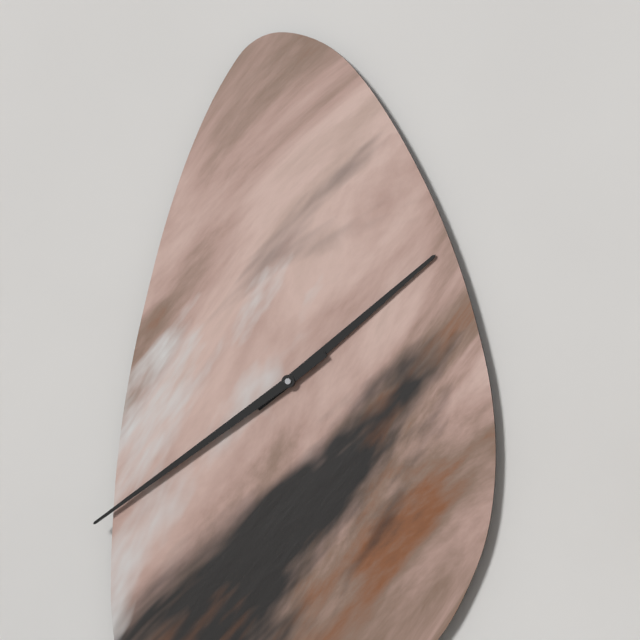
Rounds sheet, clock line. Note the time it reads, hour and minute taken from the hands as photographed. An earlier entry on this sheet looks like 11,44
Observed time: 1,39
